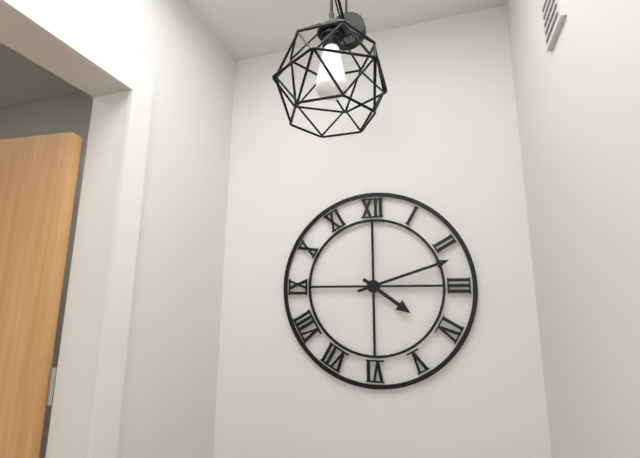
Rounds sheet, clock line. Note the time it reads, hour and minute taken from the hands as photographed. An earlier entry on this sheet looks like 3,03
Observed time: 4,12
